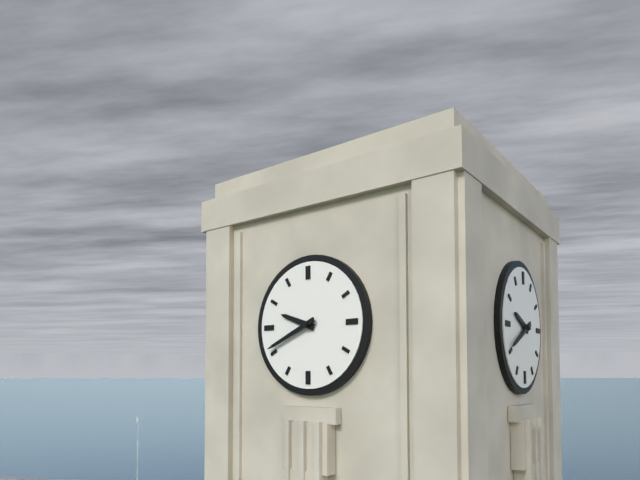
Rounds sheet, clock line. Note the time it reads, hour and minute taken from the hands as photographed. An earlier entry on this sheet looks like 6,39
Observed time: 9,41
